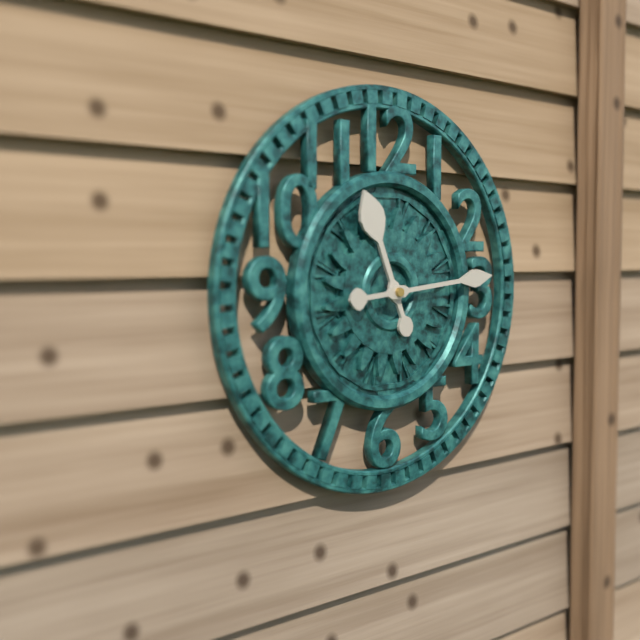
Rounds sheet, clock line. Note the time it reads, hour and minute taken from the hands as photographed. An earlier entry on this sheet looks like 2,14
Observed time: 11,14
